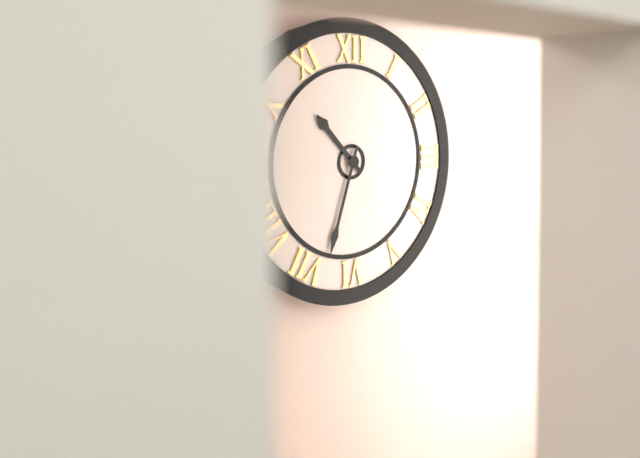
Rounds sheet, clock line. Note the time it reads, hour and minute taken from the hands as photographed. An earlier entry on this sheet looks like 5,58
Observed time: 10,33
